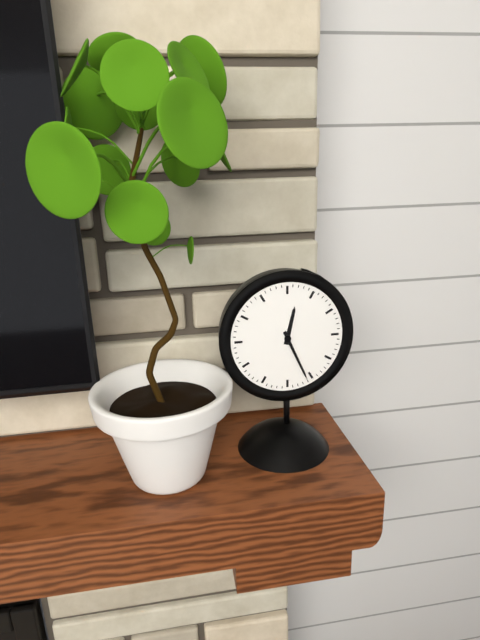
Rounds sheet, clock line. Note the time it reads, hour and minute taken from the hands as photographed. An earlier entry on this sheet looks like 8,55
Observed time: 12,26
